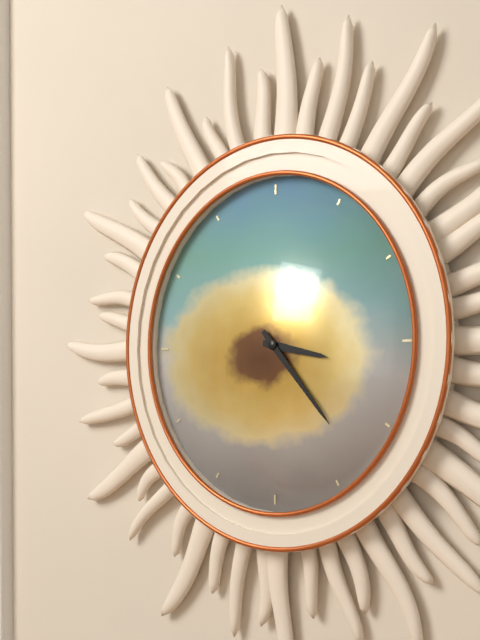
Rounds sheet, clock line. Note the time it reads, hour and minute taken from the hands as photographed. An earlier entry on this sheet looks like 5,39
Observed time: 3,23
